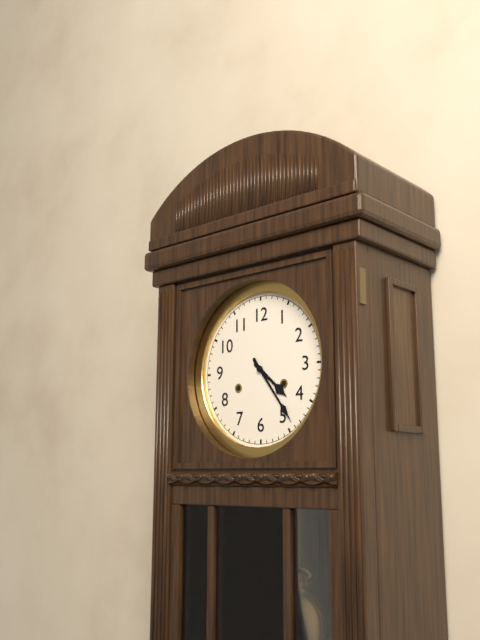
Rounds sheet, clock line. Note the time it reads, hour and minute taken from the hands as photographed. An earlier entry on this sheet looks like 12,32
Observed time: 4,24
